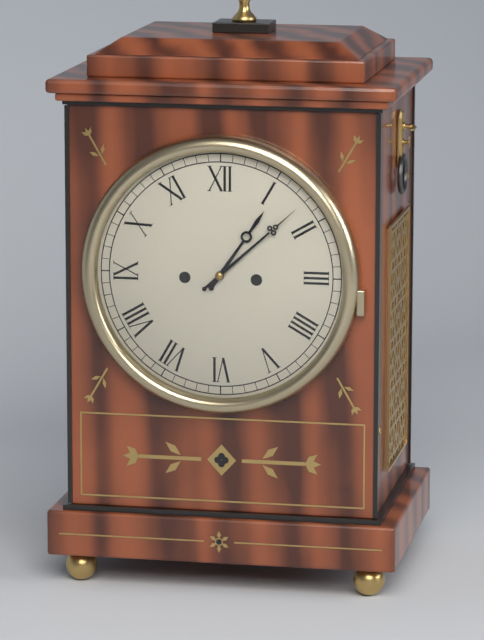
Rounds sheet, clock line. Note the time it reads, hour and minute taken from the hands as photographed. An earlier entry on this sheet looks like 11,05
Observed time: 1,08
